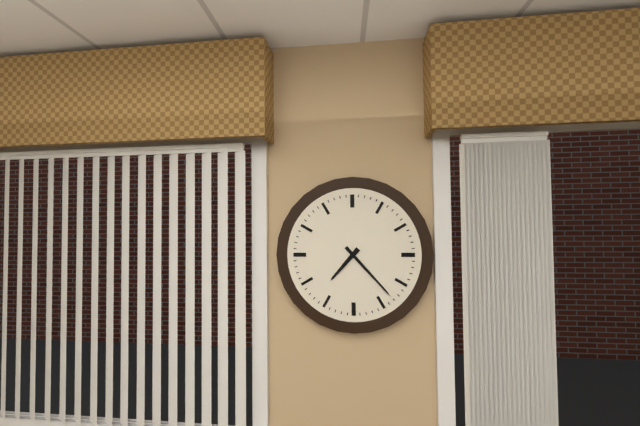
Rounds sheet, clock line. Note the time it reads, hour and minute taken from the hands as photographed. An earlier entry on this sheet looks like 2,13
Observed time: 7,23
